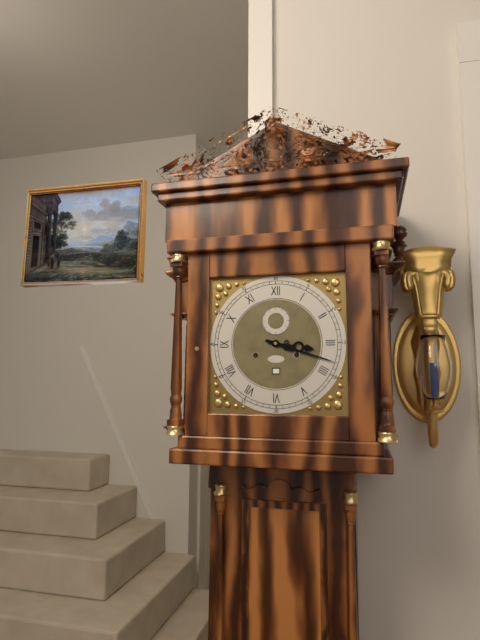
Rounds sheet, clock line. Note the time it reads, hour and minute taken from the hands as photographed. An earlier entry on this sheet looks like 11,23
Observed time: 3,18
